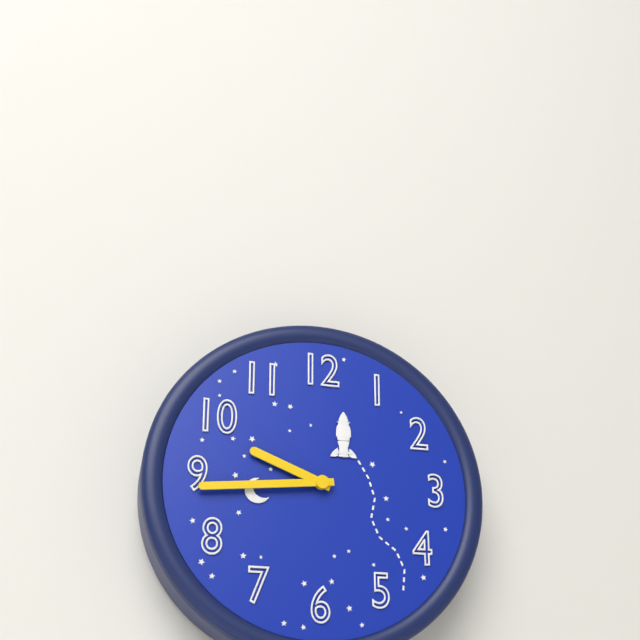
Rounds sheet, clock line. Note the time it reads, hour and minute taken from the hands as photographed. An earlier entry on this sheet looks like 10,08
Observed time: 9,44
